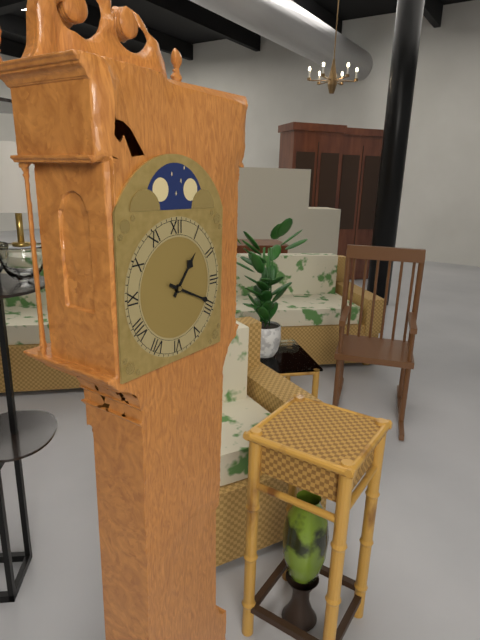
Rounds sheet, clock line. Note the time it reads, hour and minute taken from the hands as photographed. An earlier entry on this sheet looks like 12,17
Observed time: 1,19
